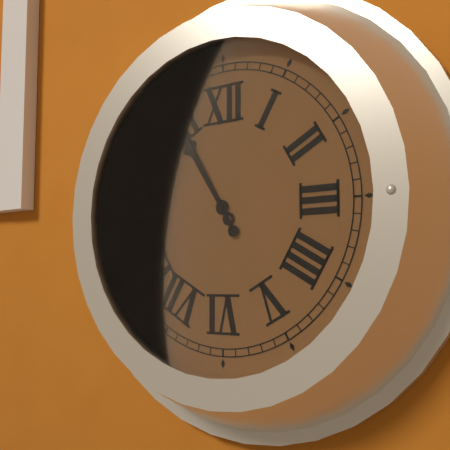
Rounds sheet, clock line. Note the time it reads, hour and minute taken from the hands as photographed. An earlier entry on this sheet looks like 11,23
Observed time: 10,55
